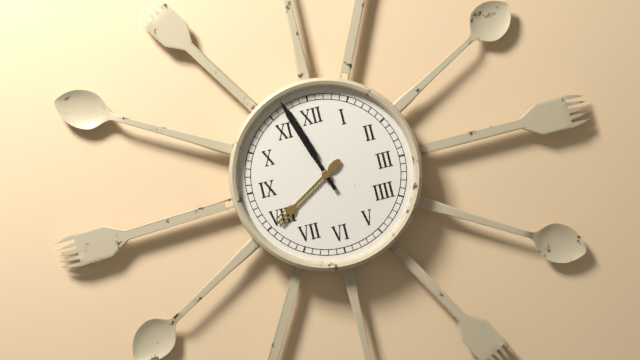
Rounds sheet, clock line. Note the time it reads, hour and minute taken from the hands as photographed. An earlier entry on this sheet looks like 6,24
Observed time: 7,57
